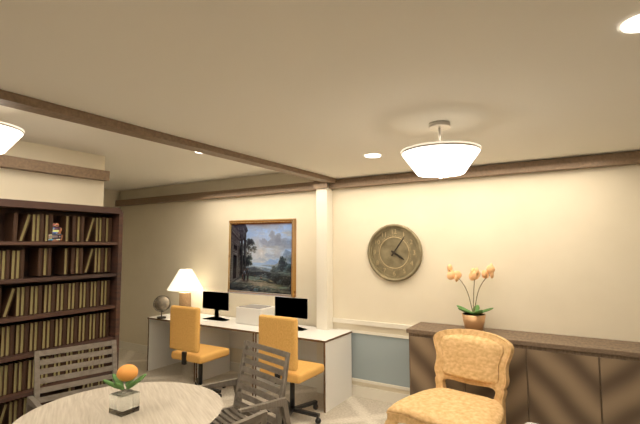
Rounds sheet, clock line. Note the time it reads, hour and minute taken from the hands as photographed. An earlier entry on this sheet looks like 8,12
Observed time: 4,06
